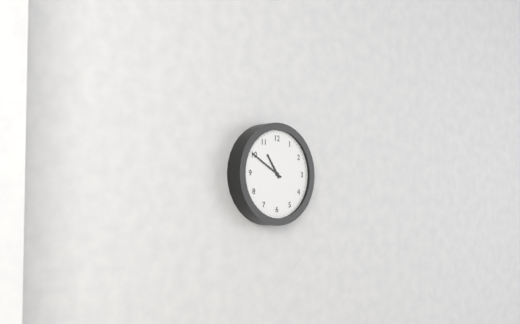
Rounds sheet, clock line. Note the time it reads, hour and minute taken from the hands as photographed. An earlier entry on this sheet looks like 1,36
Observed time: 10,50
